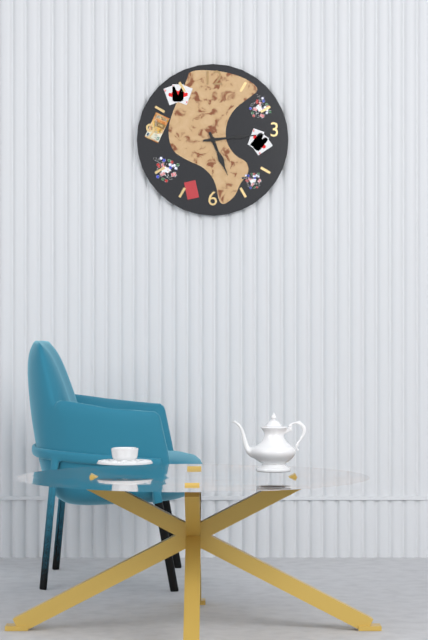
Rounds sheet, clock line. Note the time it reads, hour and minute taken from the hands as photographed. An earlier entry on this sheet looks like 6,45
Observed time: 5,14
